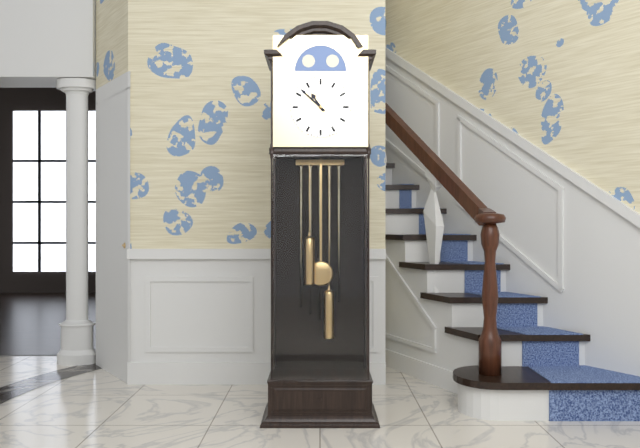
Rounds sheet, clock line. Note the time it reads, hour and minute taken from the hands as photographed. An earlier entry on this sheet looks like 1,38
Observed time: 10,52
